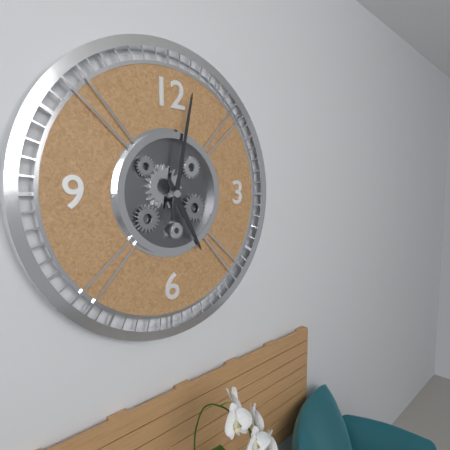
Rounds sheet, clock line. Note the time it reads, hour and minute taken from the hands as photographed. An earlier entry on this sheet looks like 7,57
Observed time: 5,02
